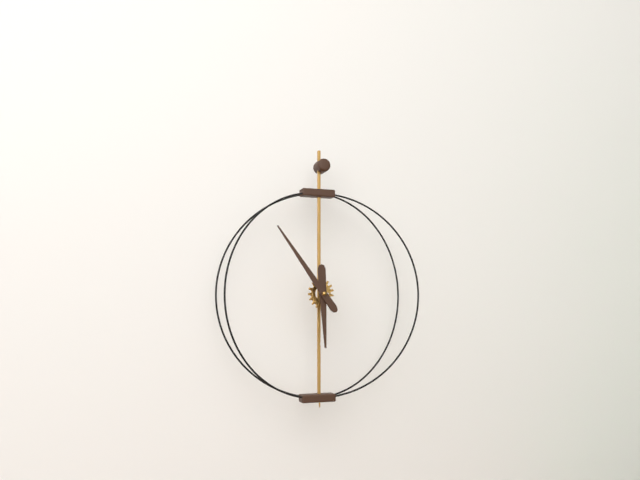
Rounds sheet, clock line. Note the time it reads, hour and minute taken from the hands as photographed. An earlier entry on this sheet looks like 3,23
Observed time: 5,54
